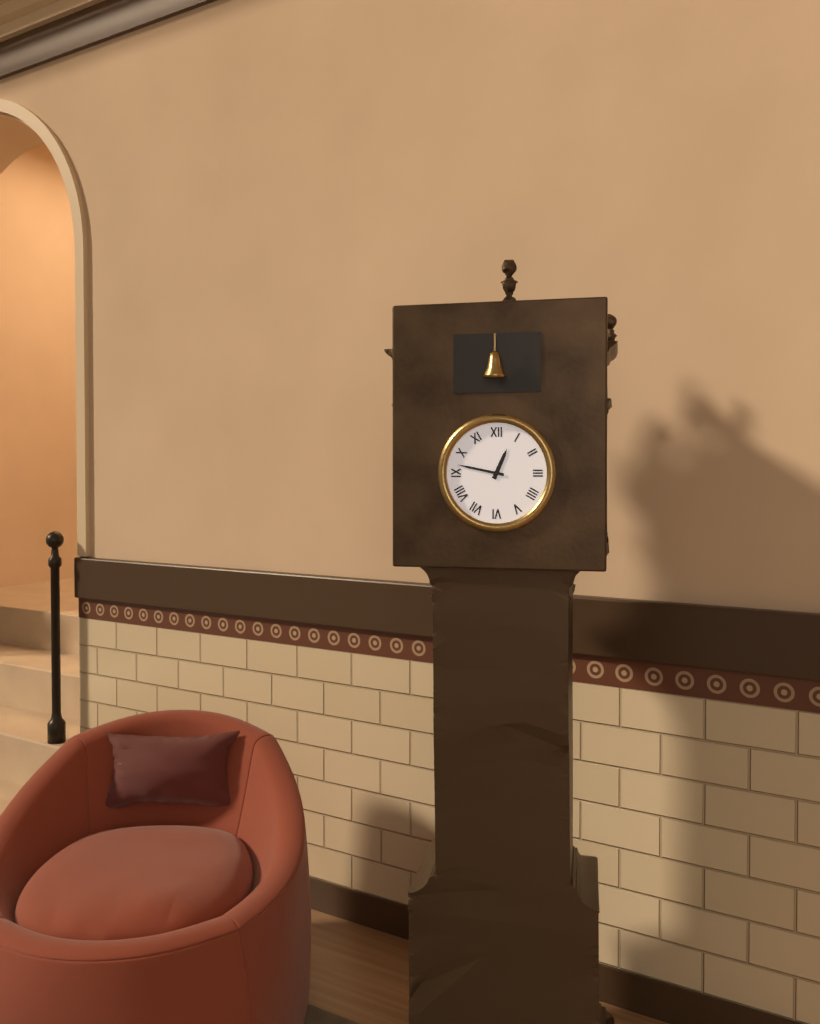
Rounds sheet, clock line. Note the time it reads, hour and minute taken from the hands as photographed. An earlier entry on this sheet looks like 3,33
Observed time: 12,47
